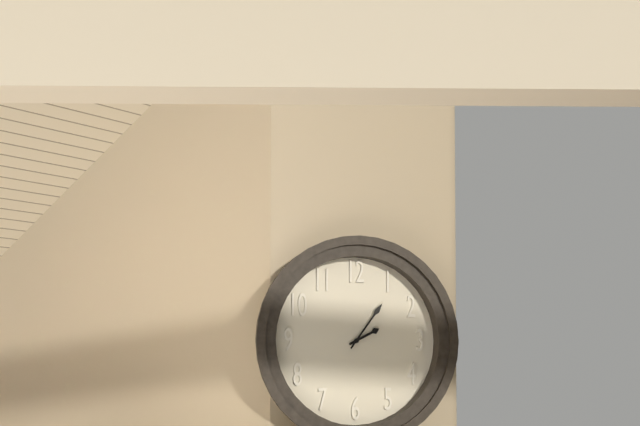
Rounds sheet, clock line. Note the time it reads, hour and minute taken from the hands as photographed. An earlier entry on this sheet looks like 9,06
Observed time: 2,06
